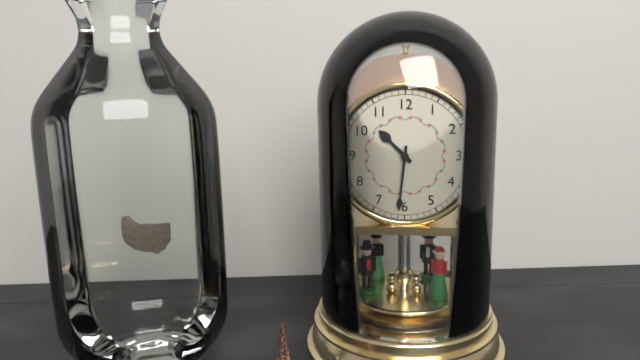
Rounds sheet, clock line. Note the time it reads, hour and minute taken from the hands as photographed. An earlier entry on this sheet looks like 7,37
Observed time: 10,31
